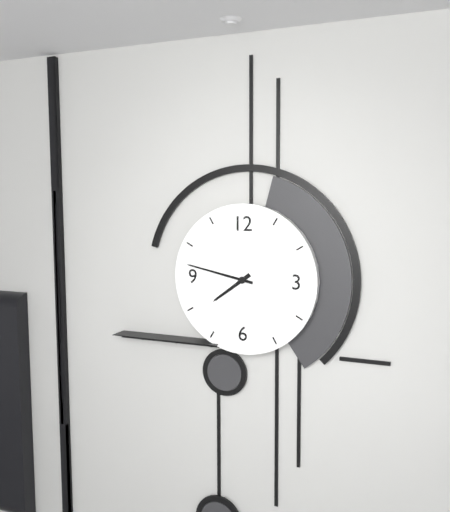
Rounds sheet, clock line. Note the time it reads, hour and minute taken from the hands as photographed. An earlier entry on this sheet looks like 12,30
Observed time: 7,47
